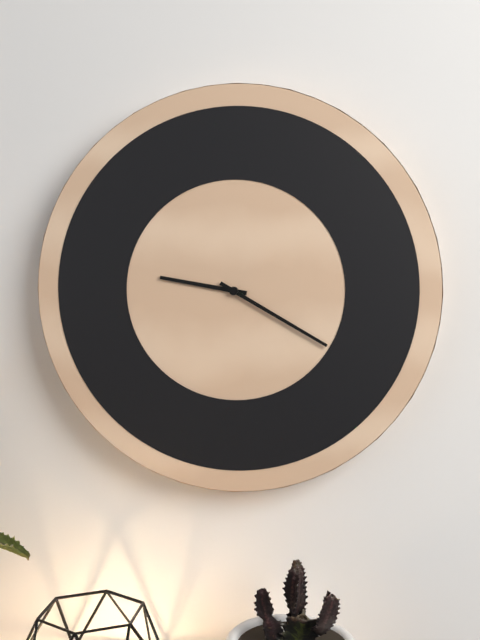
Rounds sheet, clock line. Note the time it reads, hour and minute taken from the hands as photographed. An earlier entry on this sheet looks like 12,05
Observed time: 9,20
